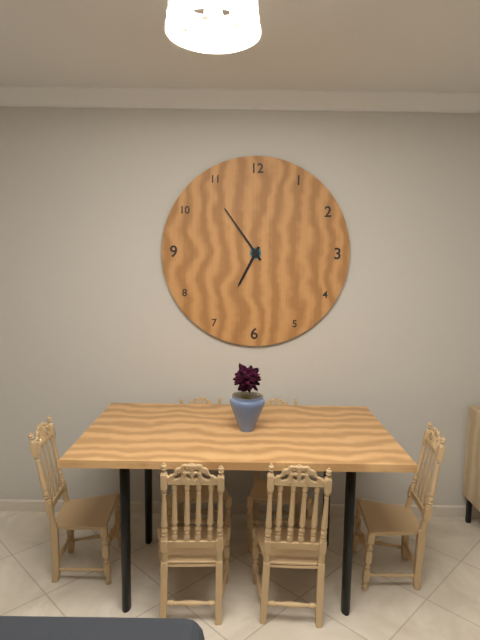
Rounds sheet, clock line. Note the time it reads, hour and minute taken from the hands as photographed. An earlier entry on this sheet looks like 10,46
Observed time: 6,54
